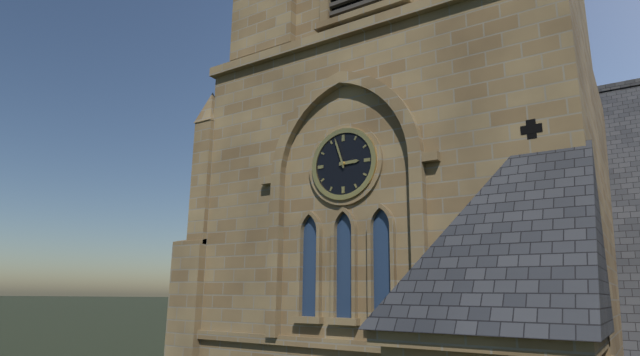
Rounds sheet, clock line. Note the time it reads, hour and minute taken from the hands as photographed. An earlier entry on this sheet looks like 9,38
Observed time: 2,57
